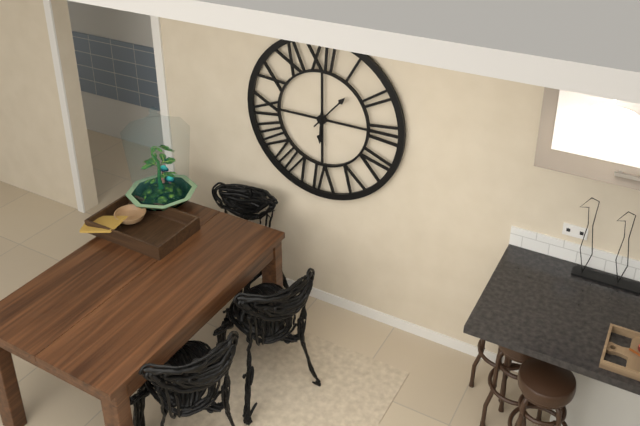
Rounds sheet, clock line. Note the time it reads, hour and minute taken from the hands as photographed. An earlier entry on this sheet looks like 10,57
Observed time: 6,07
